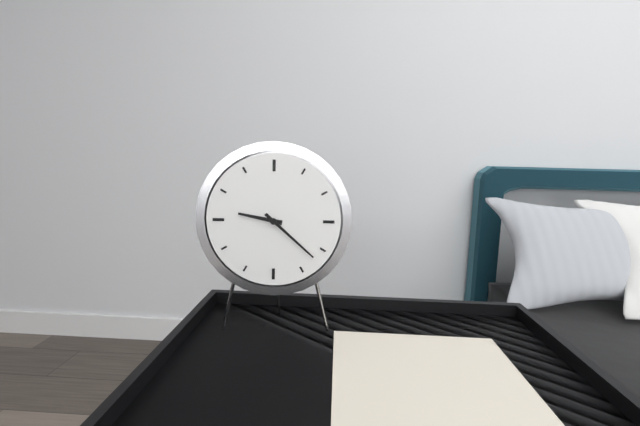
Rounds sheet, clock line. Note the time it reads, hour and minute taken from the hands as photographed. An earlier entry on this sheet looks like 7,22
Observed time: 9,22
